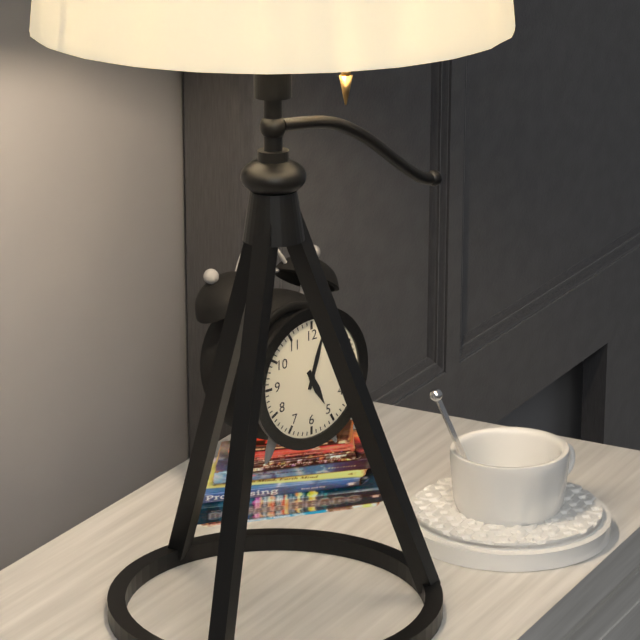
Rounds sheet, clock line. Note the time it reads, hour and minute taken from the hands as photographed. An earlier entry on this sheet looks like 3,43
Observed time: 5,03
